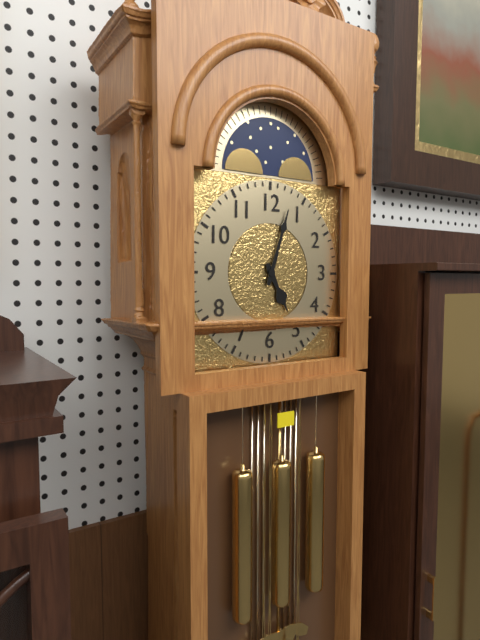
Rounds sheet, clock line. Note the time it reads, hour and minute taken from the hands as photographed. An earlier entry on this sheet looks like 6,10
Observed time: 5,03
